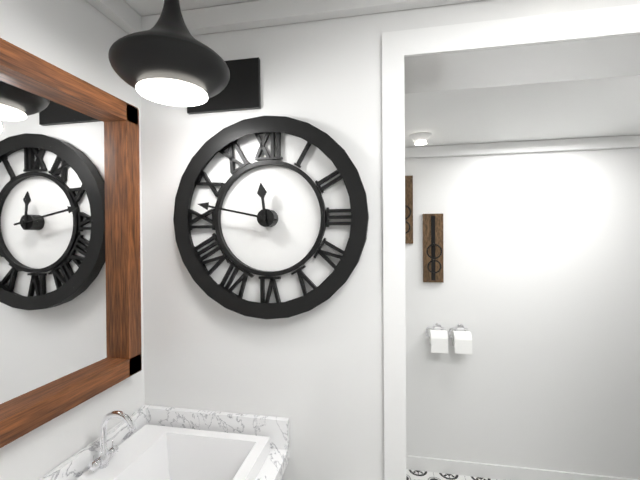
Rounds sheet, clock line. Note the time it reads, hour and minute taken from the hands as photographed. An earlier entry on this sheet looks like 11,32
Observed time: 11,47
